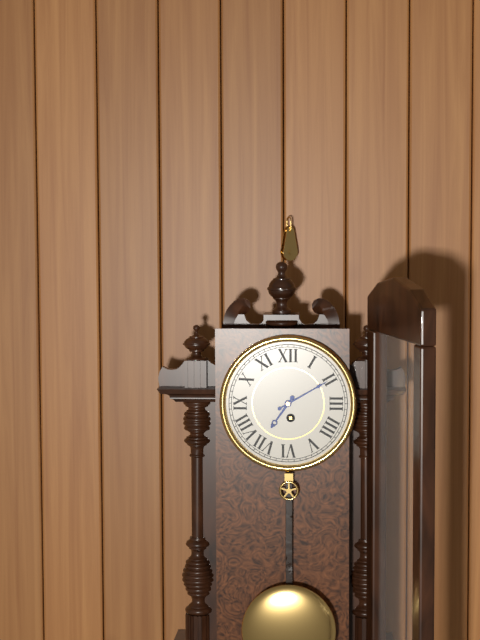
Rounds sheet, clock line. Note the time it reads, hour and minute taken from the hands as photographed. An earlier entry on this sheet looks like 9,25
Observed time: 7,10
